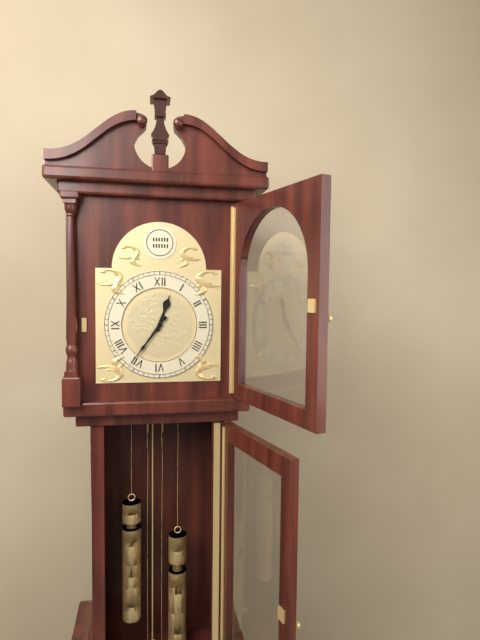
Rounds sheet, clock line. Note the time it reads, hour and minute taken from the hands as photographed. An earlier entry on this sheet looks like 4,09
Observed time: 12,36
